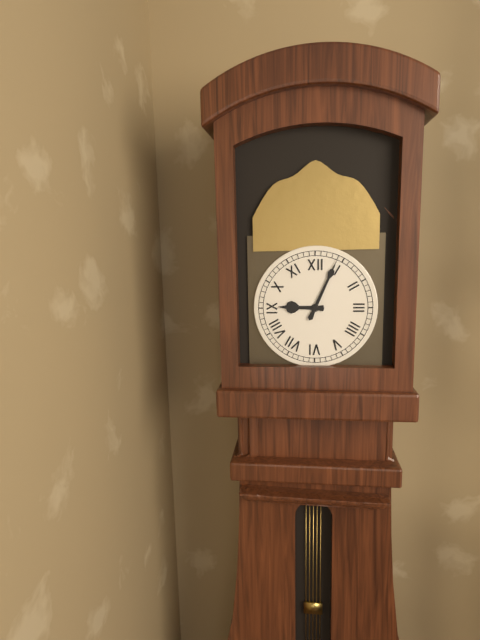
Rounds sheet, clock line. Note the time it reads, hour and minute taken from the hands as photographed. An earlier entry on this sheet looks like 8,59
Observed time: 9,04
